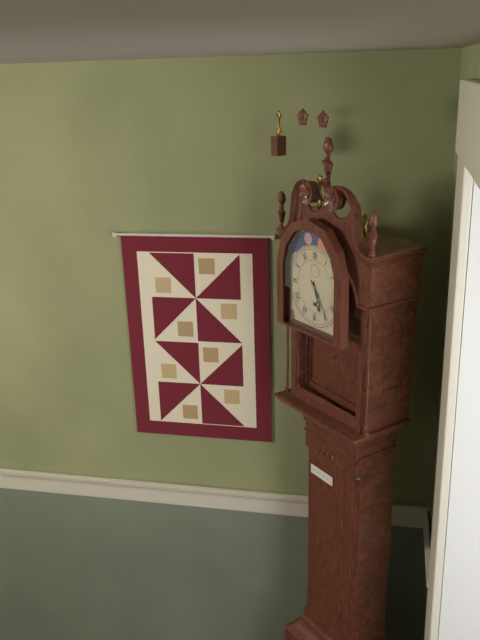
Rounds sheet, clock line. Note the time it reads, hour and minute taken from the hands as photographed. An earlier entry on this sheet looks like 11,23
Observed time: 5,24
